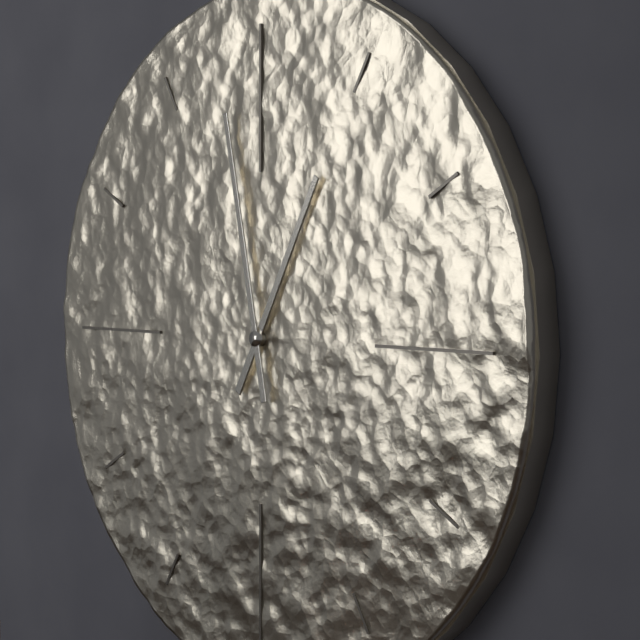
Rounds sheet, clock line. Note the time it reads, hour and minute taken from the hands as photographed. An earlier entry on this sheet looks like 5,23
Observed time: 12,58
